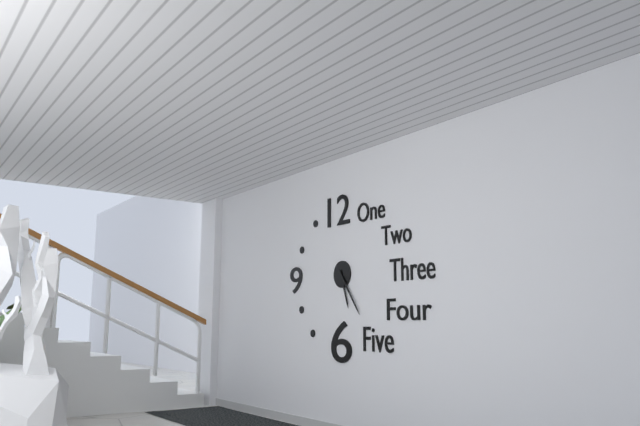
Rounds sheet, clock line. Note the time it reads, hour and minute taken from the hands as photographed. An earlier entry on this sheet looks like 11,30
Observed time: 5,24
